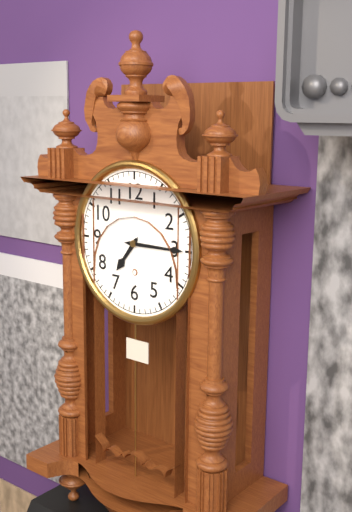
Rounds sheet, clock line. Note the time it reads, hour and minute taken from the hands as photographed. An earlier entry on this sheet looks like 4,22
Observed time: 7,15
